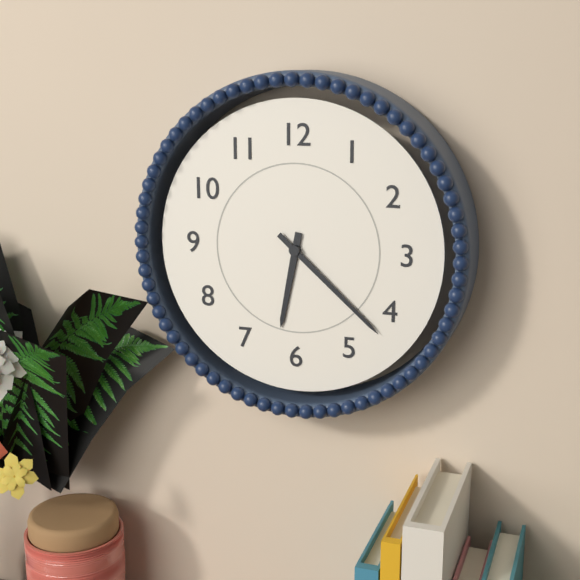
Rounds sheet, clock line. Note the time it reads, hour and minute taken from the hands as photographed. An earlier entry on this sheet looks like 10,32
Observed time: 6,22
